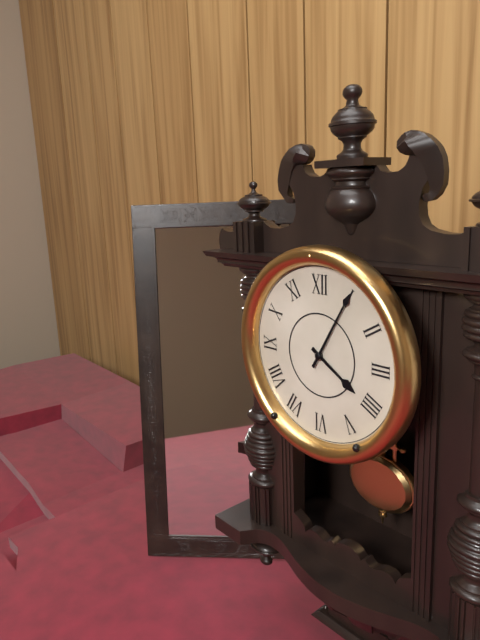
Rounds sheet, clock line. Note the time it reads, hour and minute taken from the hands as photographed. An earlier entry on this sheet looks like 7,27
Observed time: 4,05
